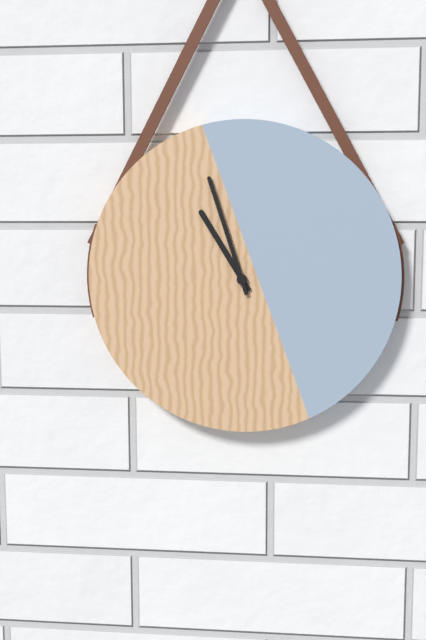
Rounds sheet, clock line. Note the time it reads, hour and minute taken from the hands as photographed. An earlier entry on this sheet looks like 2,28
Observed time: 10,57
